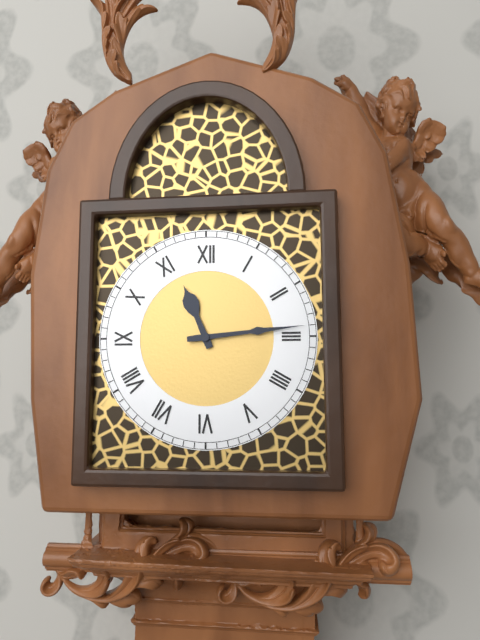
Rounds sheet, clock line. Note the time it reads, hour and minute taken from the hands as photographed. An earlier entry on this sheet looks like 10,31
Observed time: 11,14
